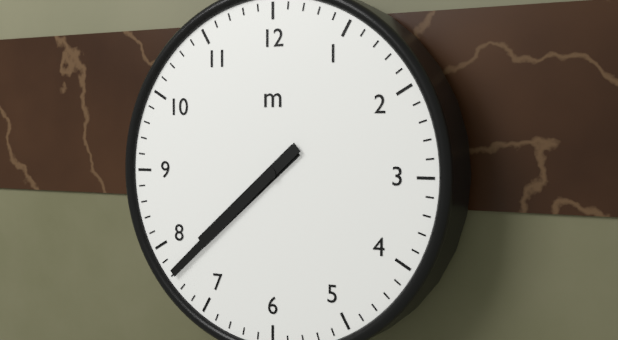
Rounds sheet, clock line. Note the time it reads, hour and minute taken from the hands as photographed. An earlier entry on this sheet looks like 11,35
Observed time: 7,38
